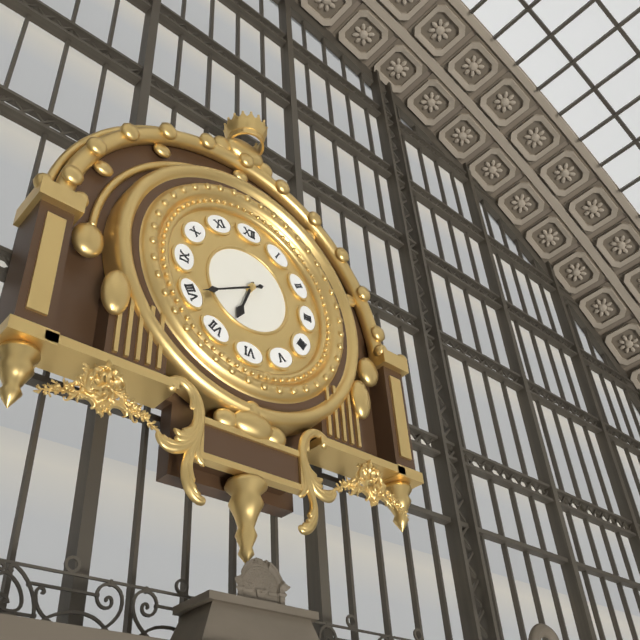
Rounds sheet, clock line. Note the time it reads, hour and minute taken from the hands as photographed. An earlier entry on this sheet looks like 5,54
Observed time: 6,40
